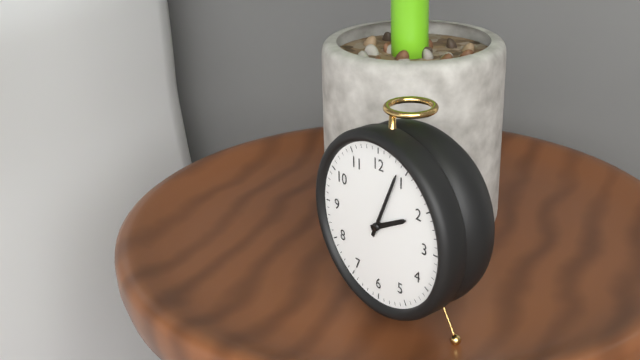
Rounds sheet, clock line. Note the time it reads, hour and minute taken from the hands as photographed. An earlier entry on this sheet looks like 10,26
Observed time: 2,04
